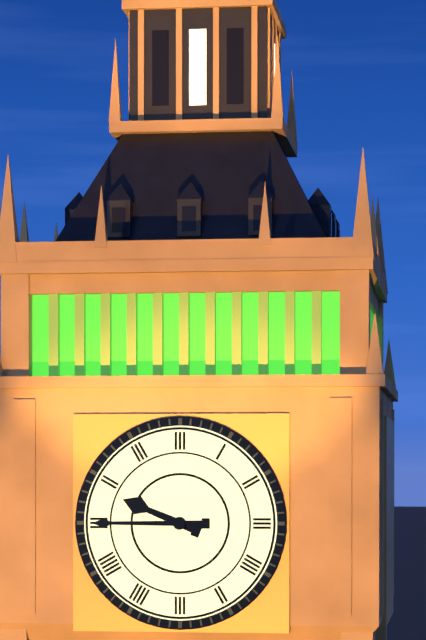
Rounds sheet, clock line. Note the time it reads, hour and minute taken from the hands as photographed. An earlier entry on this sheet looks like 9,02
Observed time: 9,45
